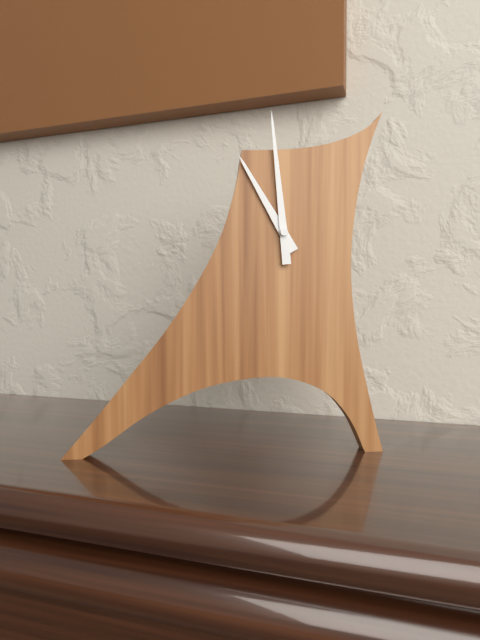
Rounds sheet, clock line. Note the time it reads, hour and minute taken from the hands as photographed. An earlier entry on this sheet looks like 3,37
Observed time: 10,59
